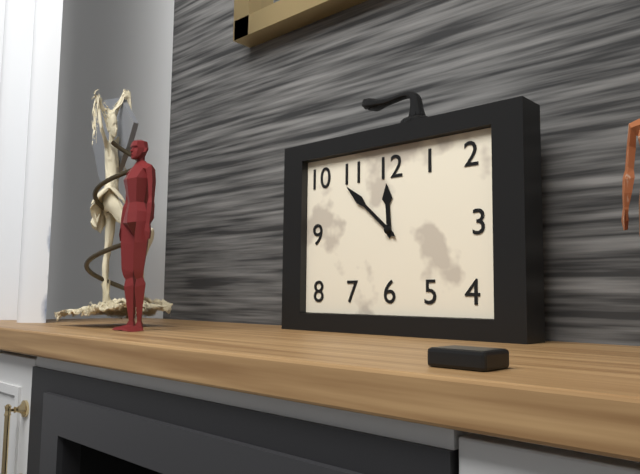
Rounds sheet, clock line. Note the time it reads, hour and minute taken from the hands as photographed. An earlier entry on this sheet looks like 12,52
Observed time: 11,52
